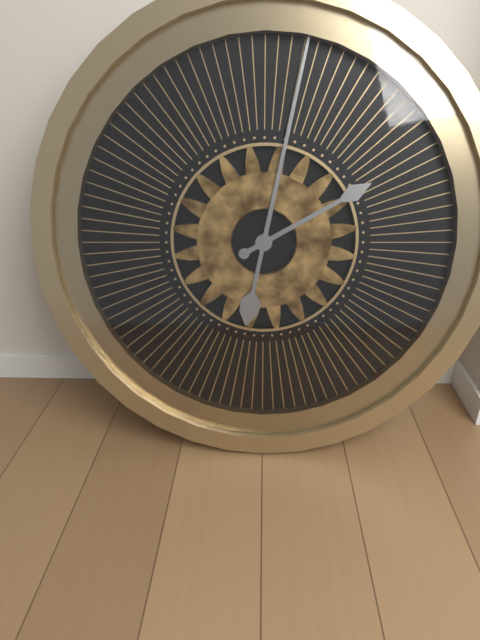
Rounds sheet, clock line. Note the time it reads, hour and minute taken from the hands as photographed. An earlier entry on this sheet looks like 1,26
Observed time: 2,02
